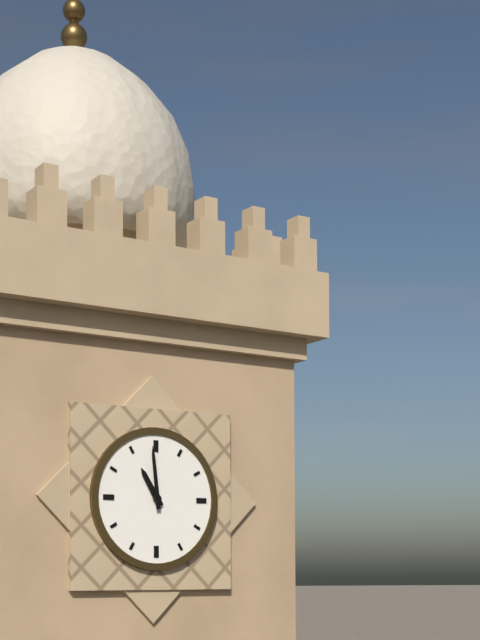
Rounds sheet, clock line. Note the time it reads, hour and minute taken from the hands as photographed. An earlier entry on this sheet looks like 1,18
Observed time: 10,59
